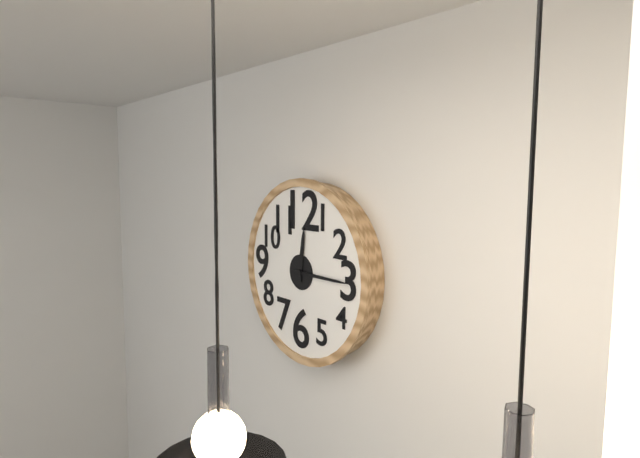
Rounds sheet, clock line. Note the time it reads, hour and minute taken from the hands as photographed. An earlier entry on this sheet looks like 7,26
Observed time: 12,15
